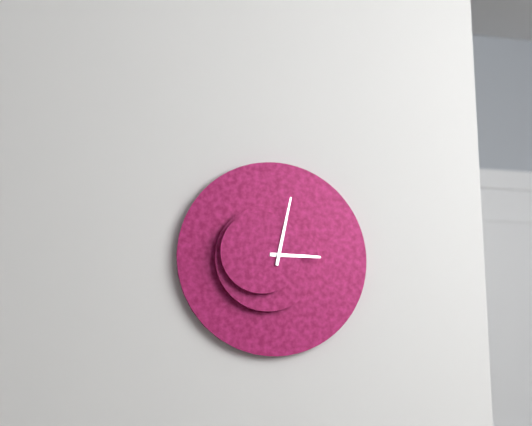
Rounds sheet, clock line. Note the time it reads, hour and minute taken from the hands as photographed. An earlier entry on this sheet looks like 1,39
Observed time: 3,02
